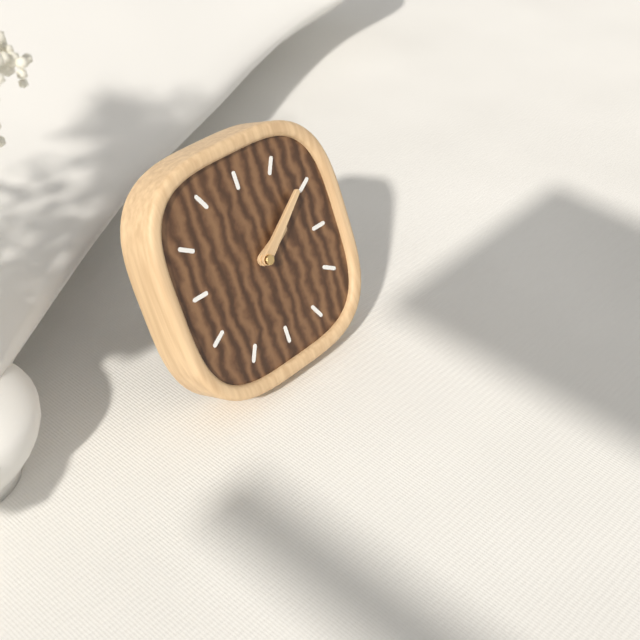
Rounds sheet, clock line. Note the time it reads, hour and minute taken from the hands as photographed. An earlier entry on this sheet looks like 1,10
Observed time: 2,09
